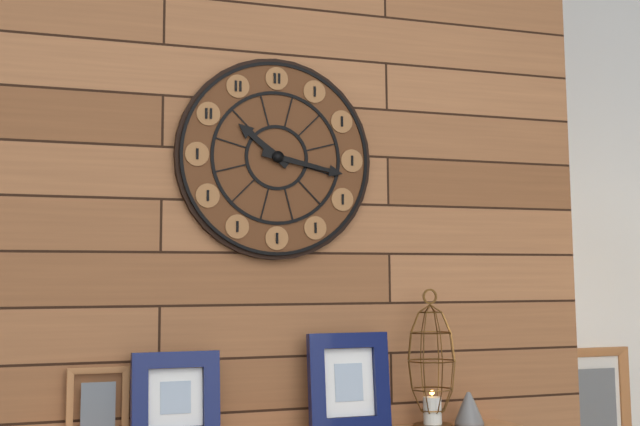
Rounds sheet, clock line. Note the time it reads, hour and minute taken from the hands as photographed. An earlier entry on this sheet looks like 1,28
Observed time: 10,17
